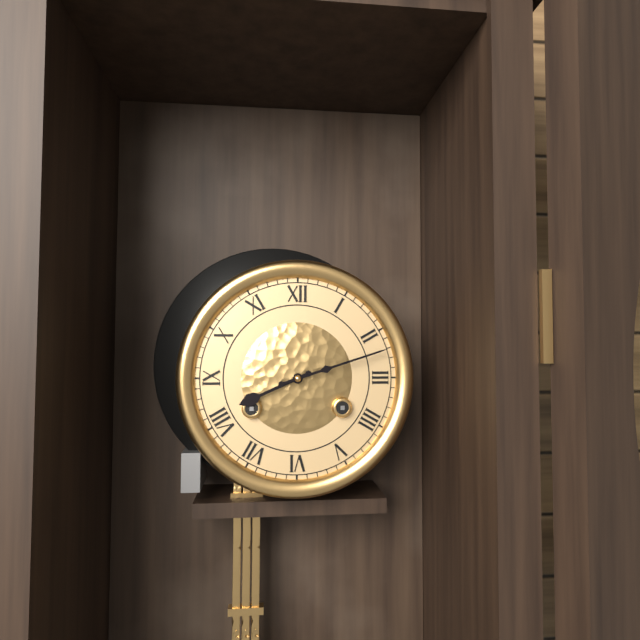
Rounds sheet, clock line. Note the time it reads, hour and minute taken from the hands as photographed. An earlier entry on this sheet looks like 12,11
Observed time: 8,12
